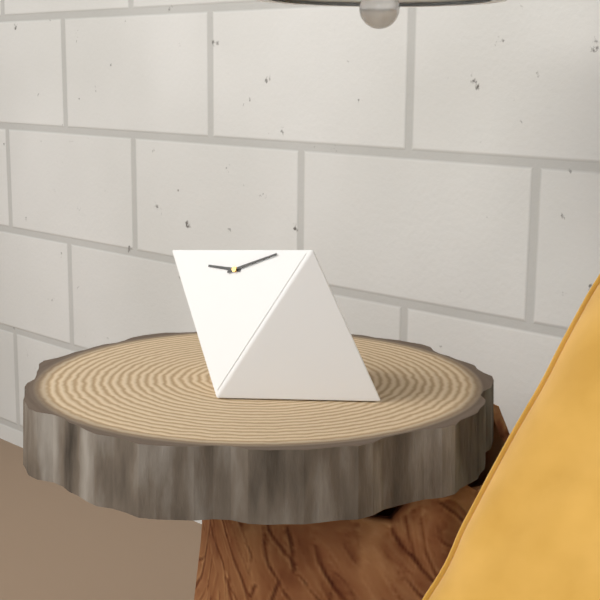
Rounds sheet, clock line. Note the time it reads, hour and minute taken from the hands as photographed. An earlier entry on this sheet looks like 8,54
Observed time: 9,12
